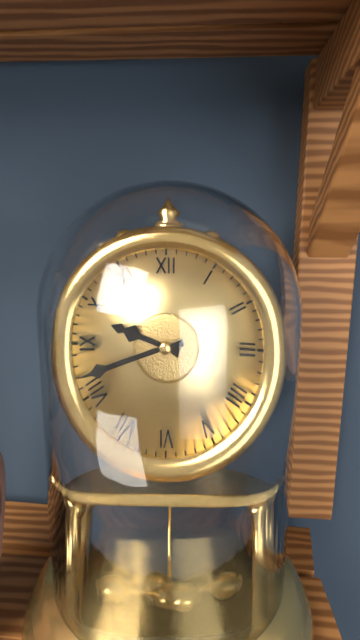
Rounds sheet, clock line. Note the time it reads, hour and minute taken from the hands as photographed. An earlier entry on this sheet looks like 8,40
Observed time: 9,42
